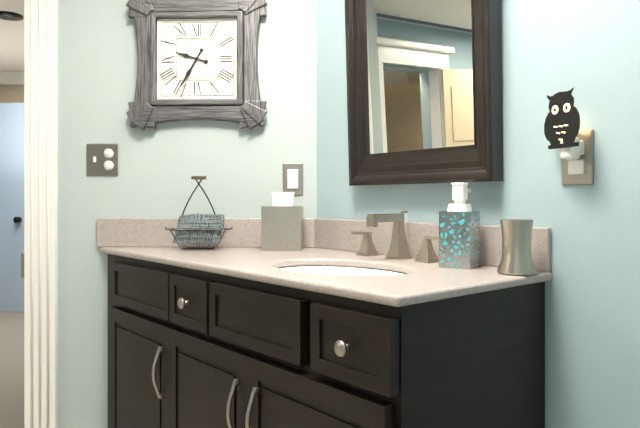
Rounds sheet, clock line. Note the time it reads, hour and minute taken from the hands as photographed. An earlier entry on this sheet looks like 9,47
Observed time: 9,35
